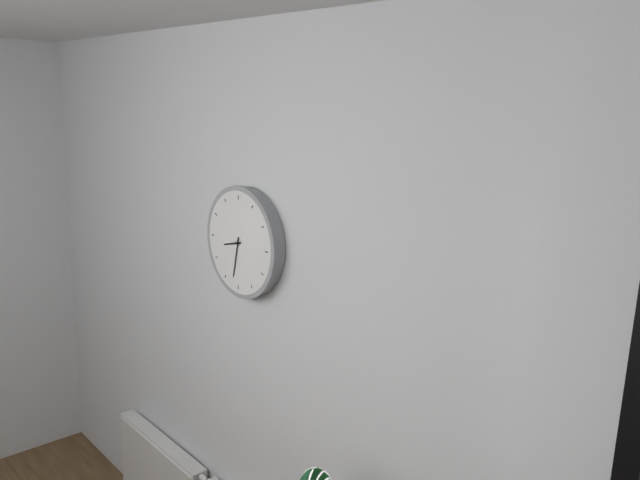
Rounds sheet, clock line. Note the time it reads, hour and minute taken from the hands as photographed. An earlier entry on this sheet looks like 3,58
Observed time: 8,32
